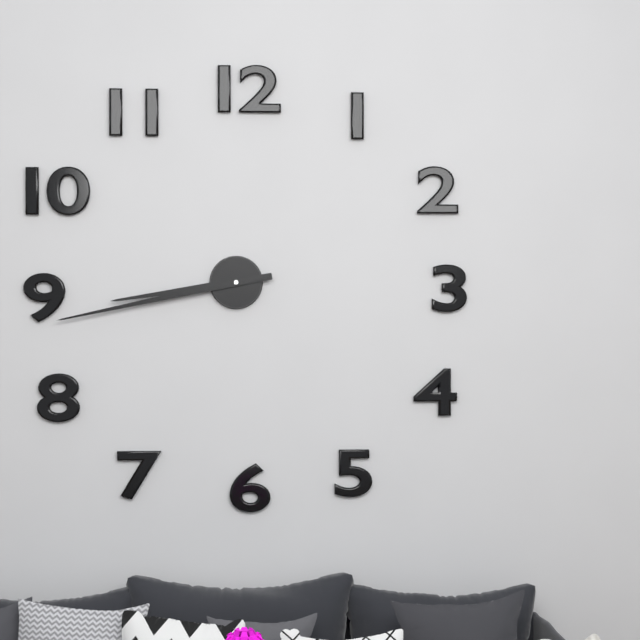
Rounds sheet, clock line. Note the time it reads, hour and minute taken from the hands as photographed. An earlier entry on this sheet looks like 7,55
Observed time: 8,43
